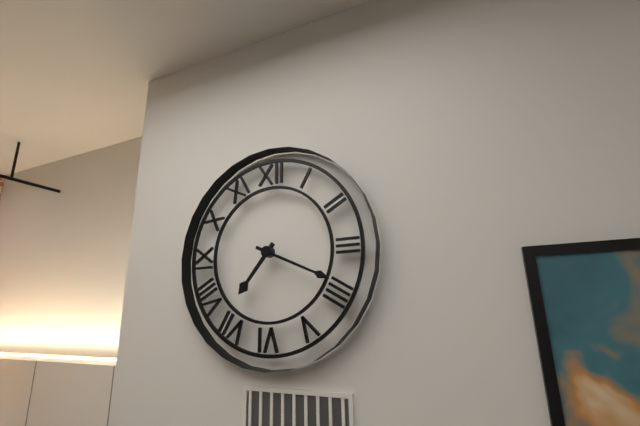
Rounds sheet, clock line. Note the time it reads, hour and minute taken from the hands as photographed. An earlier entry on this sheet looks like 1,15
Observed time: 7,19
